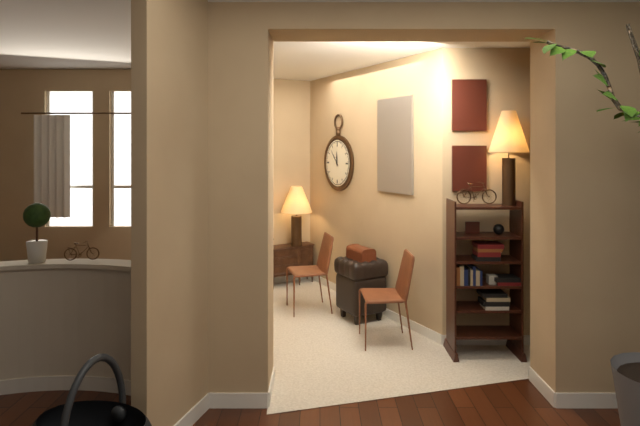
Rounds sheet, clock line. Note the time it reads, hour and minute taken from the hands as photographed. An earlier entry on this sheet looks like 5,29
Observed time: 11,53
